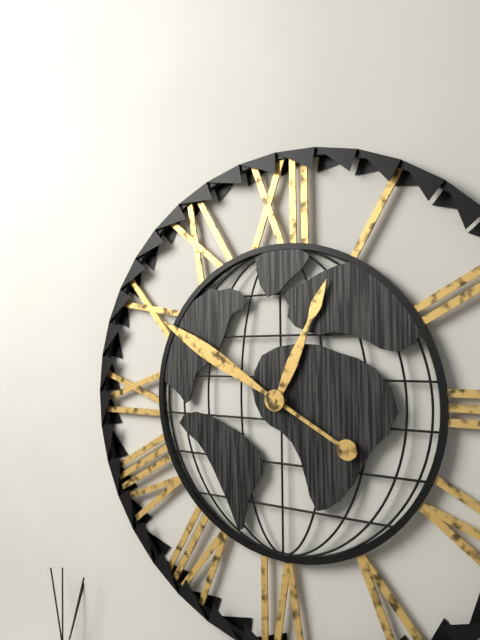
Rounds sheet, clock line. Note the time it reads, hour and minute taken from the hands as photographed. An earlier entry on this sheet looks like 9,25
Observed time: 12,50
